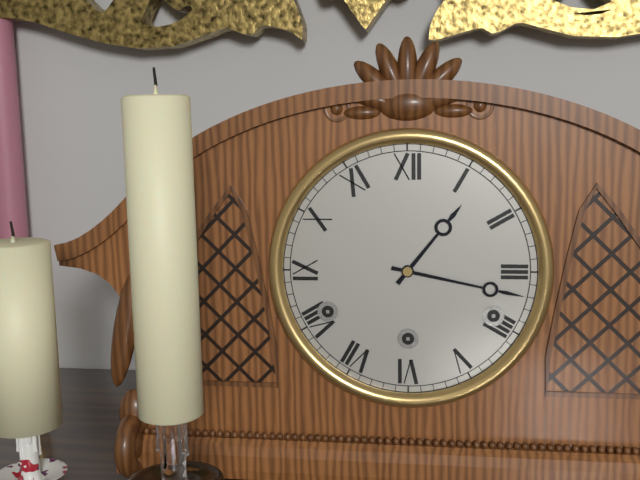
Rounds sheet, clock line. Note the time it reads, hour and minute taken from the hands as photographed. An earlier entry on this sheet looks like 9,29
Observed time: 1,17
